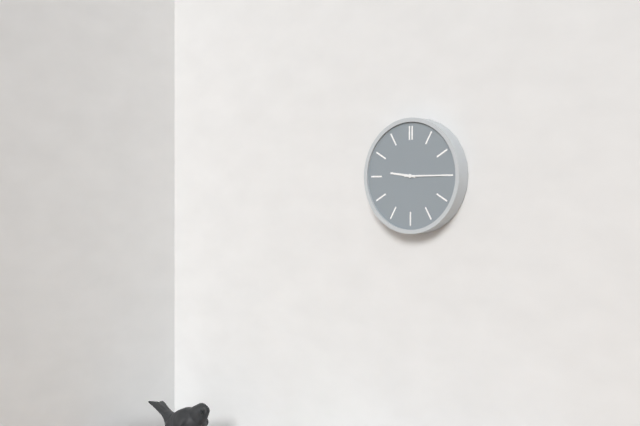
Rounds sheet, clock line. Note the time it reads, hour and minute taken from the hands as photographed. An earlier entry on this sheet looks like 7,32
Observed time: 9,15
